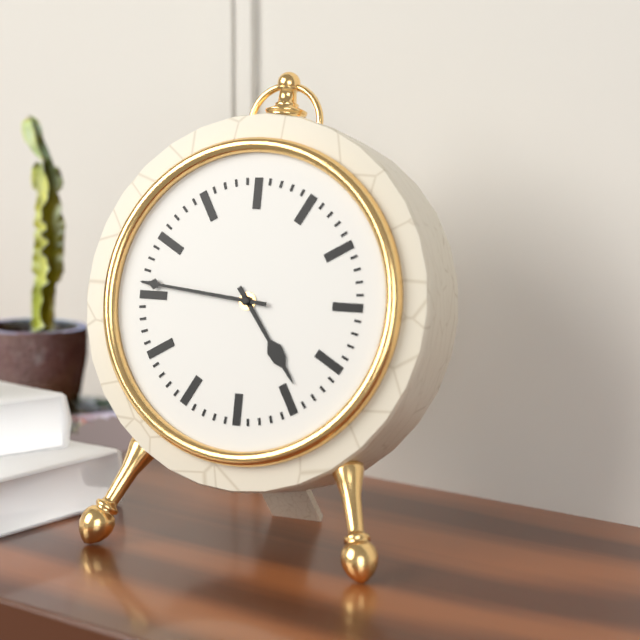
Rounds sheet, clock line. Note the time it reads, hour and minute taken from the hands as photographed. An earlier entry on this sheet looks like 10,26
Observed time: 4,46
